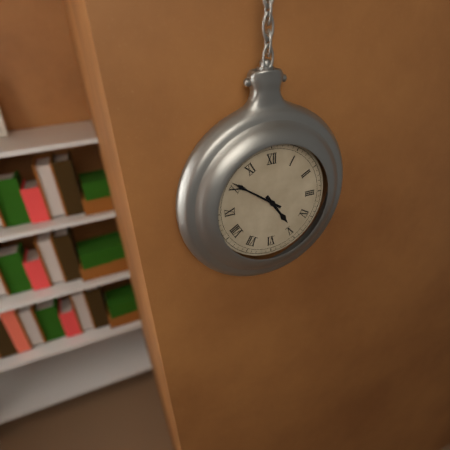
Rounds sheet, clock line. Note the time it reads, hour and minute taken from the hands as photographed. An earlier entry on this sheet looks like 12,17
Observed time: 4,51
